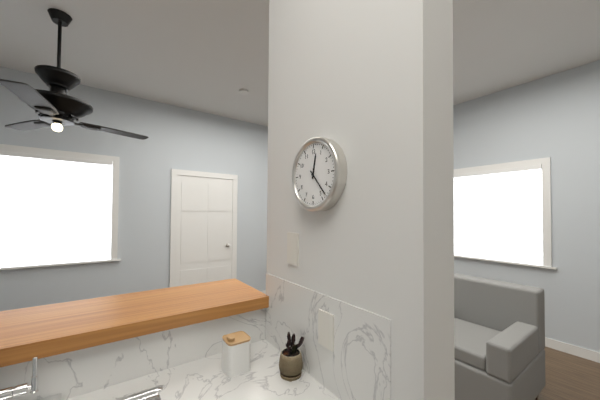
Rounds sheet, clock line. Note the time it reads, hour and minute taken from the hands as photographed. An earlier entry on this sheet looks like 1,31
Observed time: 12,23
